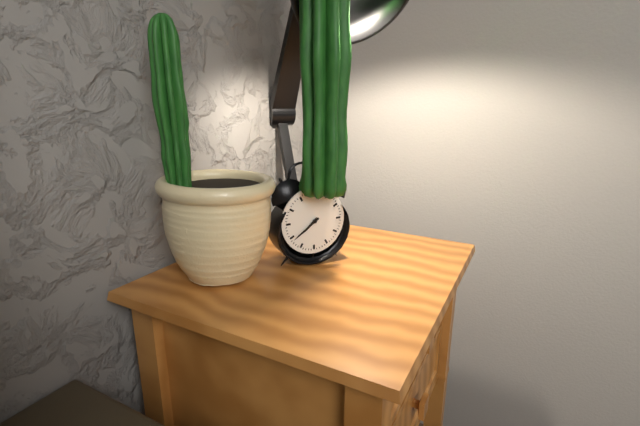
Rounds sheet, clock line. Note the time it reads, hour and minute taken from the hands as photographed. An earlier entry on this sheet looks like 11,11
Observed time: 7,39
